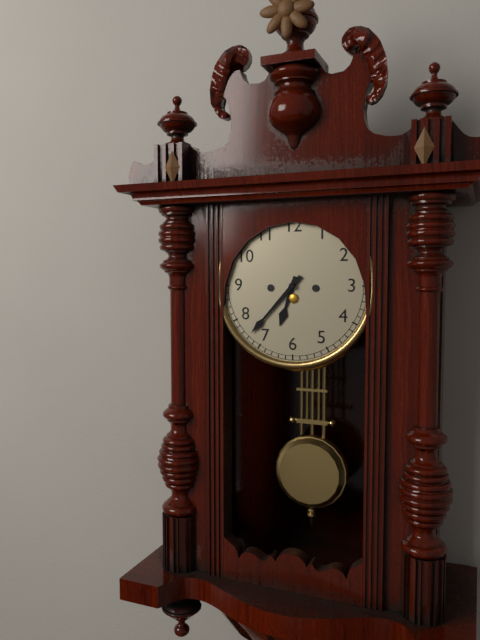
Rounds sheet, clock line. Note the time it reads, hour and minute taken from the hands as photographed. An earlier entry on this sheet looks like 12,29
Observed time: 6,37
